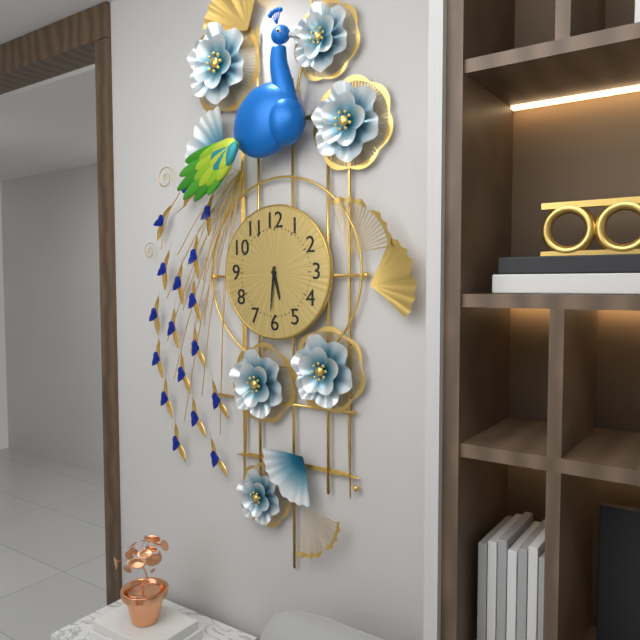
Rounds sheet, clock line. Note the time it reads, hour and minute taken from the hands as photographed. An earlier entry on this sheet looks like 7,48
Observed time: 5,31
